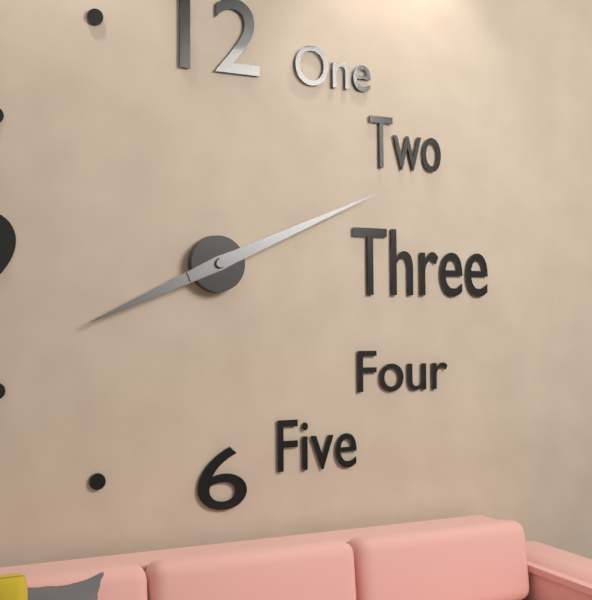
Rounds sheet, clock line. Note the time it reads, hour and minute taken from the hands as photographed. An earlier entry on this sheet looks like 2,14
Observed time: 8,11
